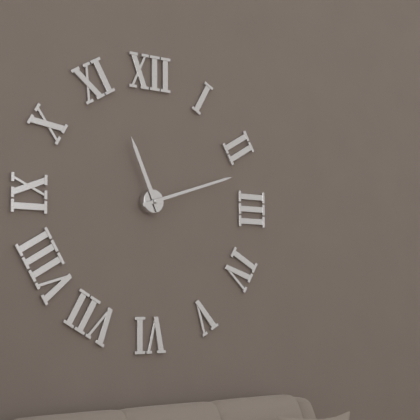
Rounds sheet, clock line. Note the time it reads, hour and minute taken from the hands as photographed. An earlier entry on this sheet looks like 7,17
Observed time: 11,12
